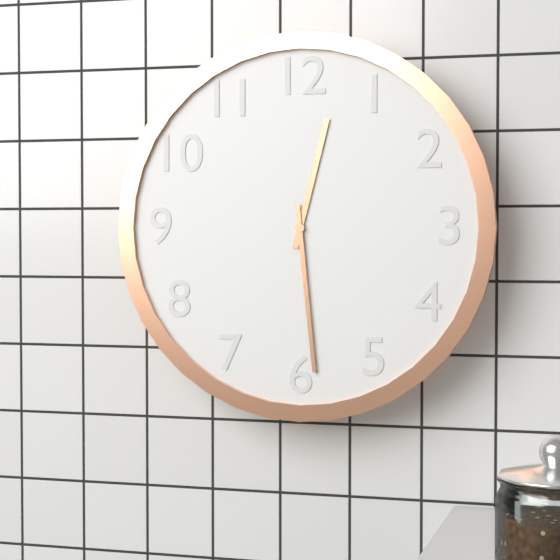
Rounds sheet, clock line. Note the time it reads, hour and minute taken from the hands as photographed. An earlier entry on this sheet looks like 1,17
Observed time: 12,29
